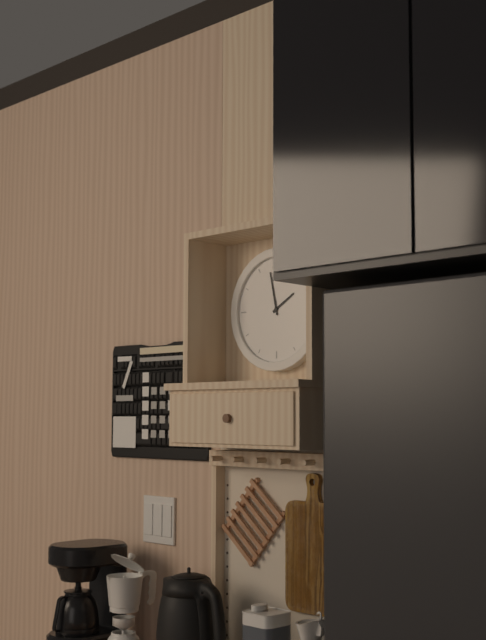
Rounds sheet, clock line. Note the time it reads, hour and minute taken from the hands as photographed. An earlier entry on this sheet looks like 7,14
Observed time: 1,58
